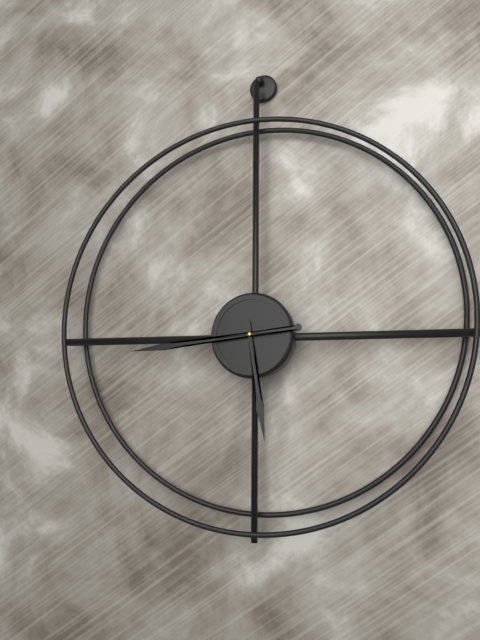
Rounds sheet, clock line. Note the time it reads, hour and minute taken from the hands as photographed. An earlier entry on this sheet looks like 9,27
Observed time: 5,44
